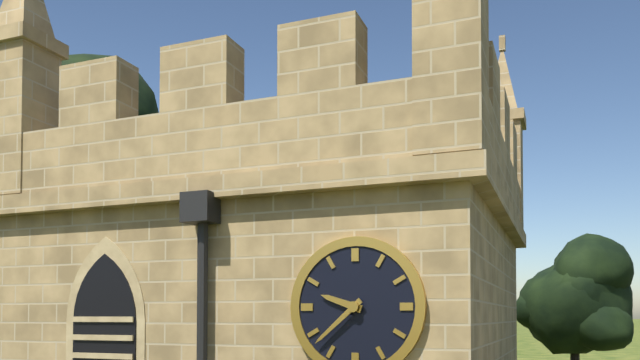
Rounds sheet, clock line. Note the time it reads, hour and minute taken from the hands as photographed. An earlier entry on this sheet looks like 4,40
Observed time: 9,38
